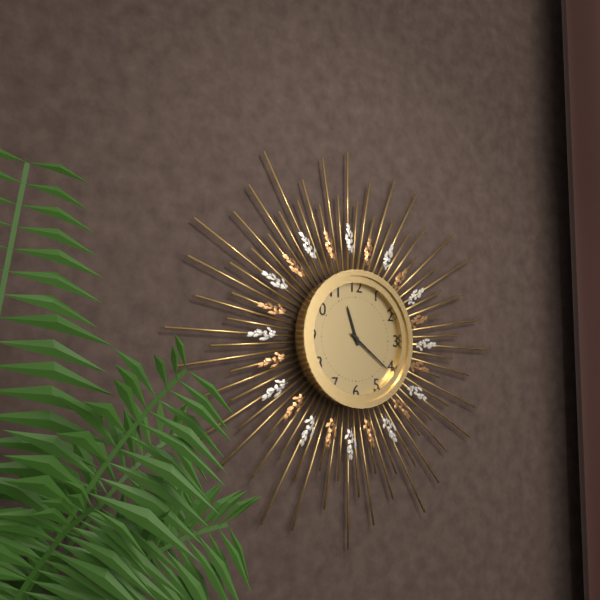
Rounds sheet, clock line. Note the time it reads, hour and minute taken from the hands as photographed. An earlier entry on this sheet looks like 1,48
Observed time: 11,21
